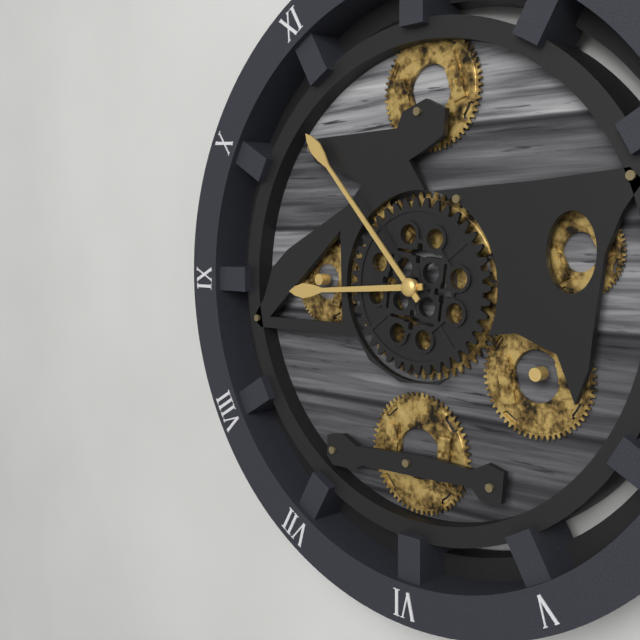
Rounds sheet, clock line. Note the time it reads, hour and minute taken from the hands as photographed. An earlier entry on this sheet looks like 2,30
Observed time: 8,53
